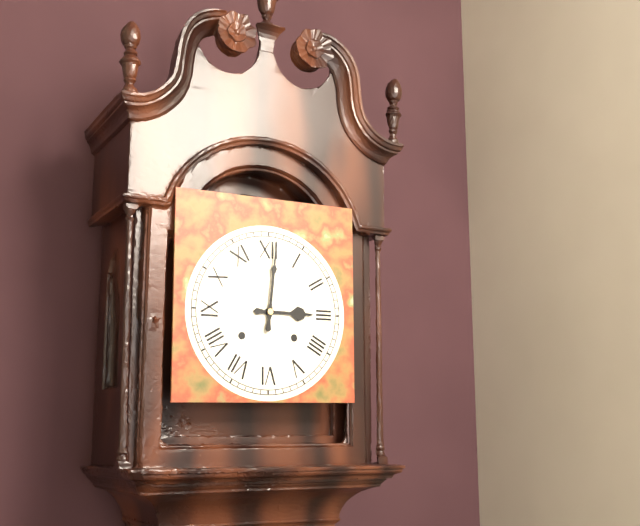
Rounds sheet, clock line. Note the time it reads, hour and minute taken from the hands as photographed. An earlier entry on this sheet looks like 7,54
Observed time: 3,01
